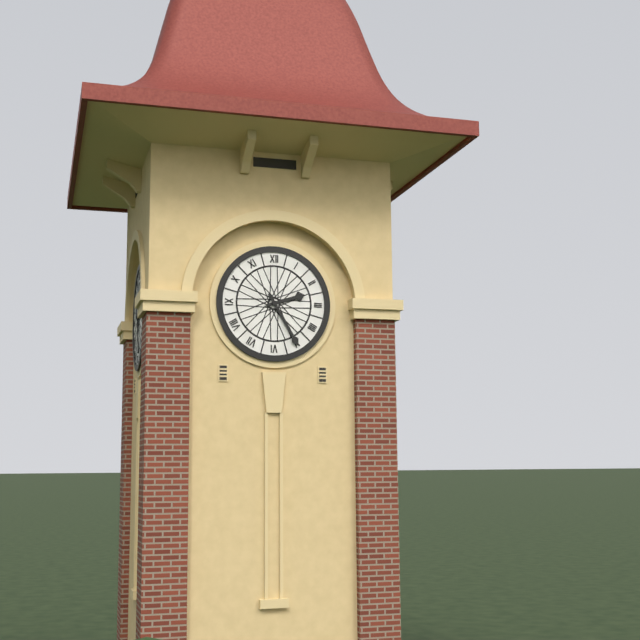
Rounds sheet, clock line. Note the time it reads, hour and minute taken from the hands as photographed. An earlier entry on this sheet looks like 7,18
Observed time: 2,25
